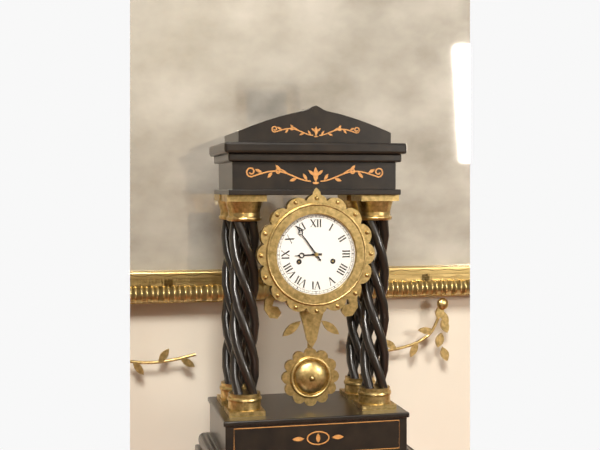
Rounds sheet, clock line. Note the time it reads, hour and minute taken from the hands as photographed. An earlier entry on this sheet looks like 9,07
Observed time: 8,54
